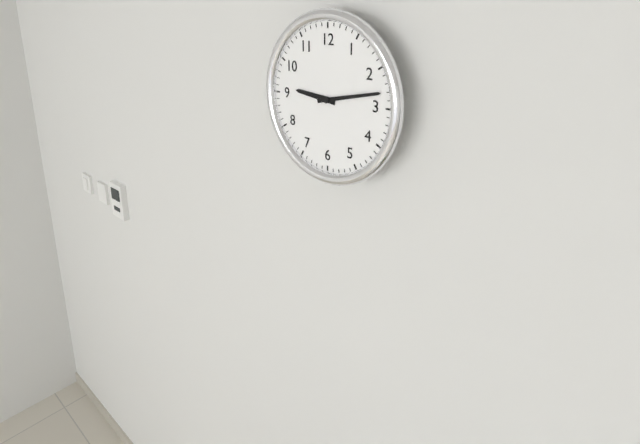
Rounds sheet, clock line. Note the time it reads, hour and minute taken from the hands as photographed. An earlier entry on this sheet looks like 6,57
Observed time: 9,13
